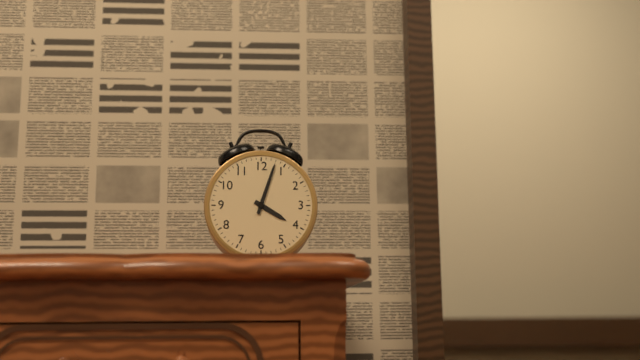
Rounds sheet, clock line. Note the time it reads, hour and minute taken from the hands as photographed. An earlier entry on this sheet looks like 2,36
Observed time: 4,03
